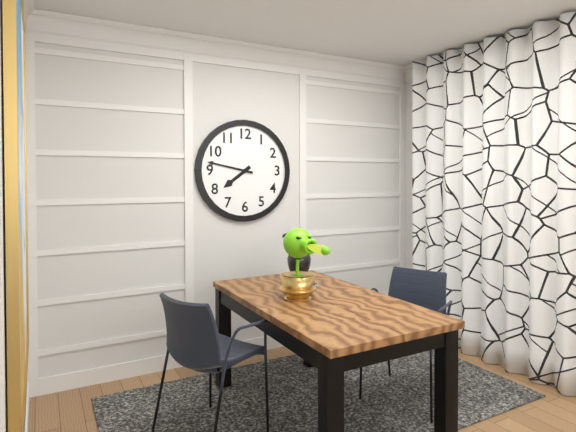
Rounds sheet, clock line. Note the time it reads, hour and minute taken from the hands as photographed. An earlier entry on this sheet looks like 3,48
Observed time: 7,47
